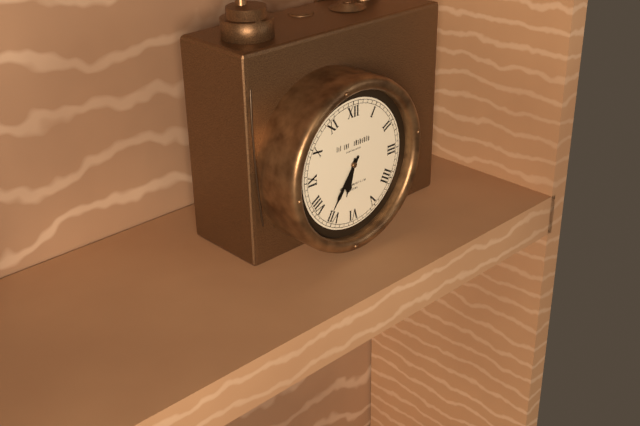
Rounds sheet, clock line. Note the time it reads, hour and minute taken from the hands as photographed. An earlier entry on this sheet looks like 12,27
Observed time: 6,36
